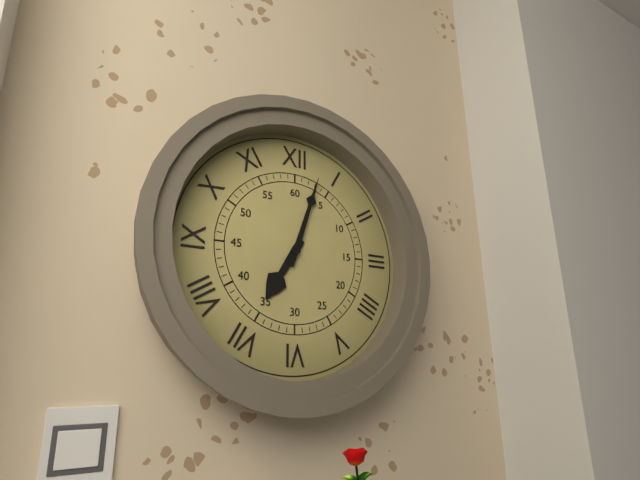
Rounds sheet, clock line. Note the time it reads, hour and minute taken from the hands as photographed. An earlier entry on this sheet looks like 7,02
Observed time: 7,03
